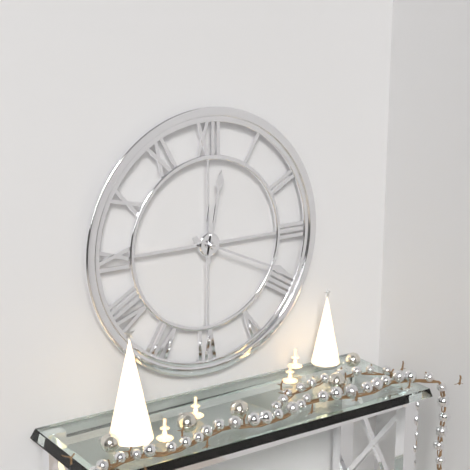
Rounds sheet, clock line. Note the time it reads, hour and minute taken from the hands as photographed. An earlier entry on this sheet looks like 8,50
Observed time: 12,19
